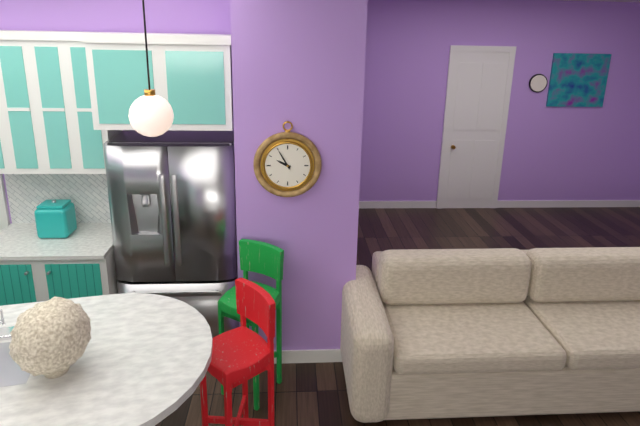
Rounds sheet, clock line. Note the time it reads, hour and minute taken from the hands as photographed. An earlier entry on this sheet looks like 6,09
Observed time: 9,55
